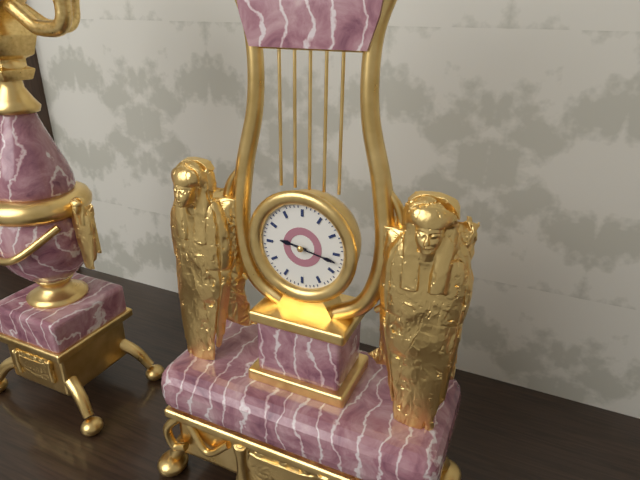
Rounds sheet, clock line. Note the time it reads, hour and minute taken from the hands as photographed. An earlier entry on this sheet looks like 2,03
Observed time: 9,17
